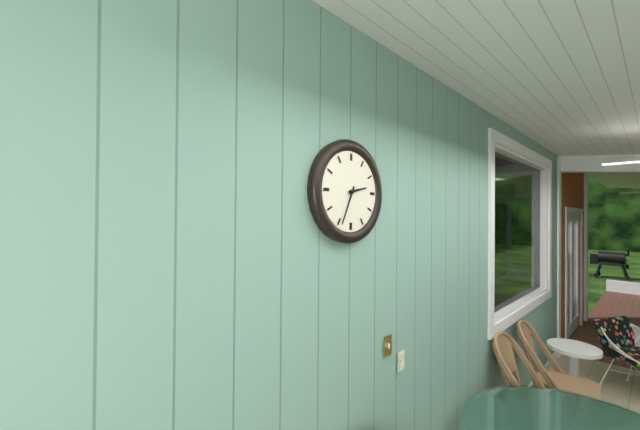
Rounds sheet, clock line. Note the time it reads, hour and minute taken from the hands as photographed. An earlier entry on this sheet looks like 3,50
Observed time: 2,34
